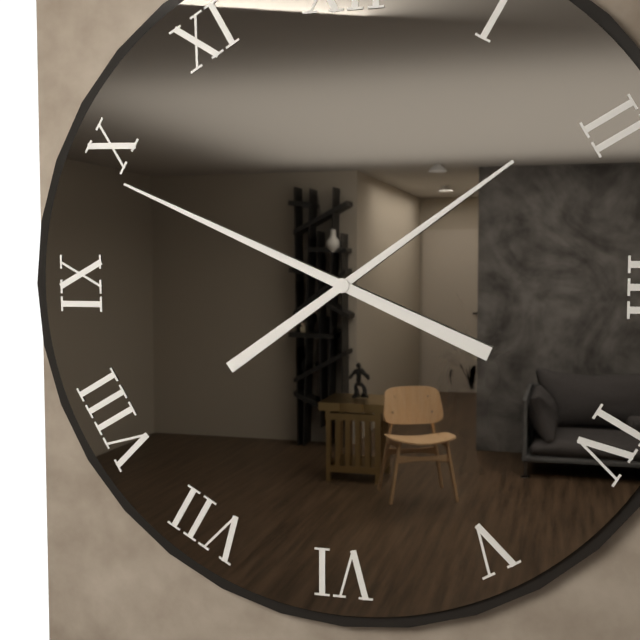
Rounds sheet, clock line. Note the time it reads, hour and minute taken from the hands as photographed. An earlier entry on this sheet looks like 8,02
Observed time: 1,49
